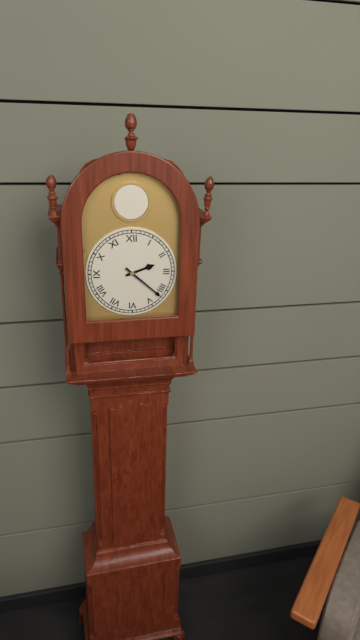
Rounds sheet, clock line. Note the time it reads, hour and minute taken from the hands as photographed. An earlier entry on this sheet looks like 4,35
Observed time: 2,22
